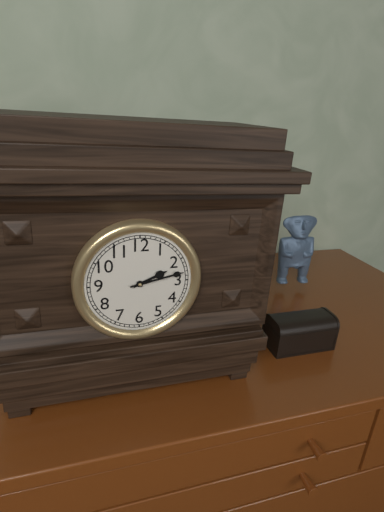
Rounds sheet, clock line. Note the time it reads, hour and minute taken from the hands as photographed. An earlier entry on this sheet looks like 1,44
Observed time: 2,13
